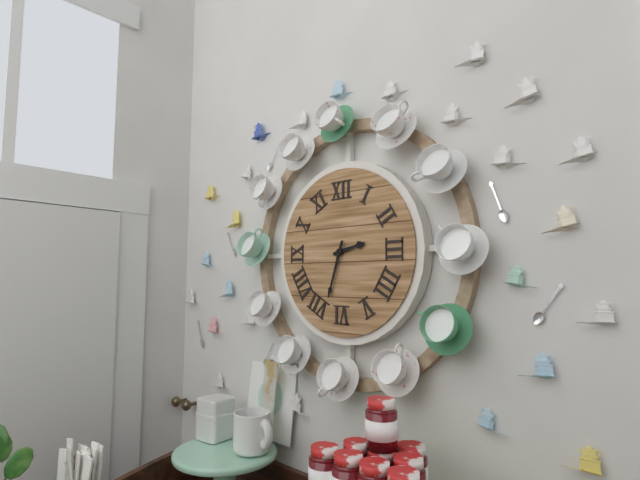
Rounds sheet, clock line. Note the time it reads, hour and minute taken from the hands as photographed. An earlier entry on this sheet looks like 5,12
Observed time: 2,33
